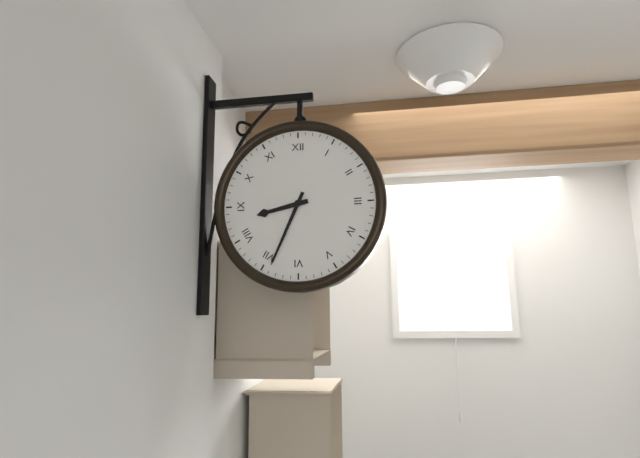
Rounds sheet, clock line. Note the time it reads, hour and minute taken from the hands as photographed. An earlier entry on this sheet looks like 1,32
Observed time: 8,34
